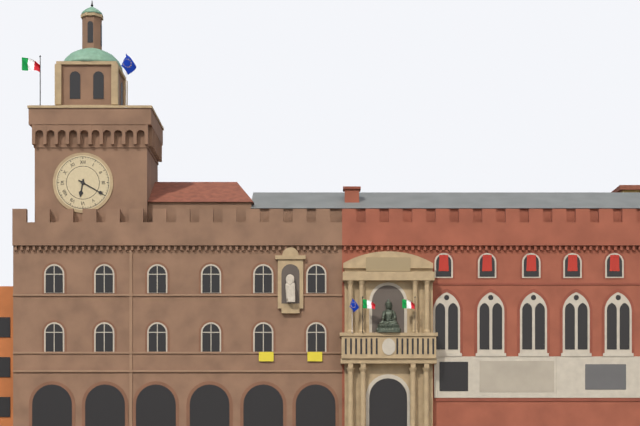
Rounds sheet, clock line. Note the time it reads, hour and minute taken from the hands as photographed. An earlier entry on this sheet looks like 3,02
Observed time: 6,20
